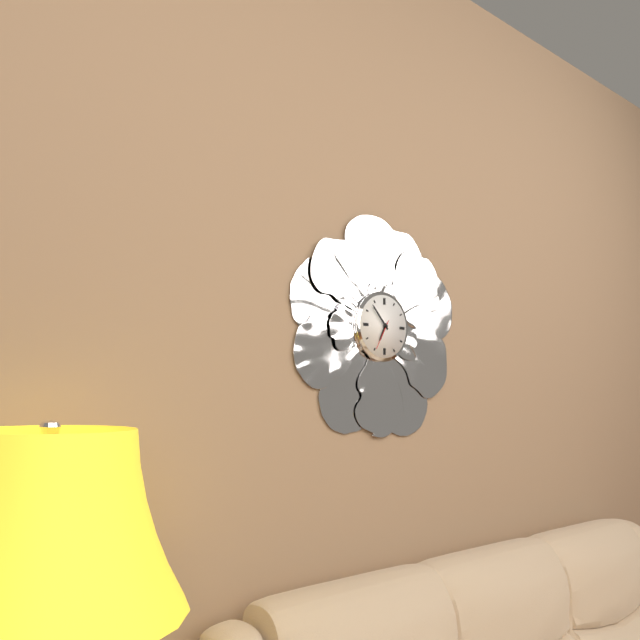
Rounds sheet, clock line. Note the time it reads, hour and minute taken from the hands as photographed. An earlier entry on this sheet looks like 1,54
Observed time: 6,53
